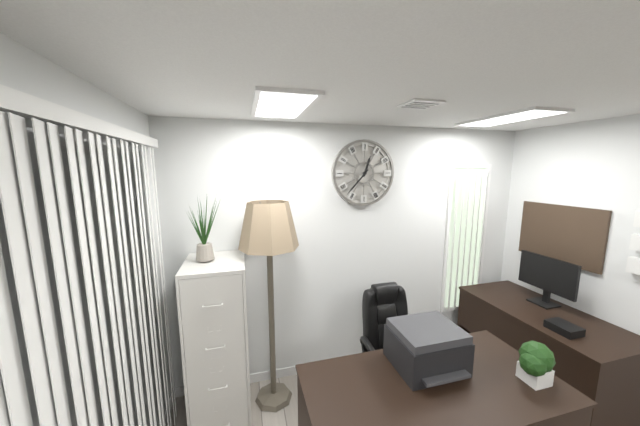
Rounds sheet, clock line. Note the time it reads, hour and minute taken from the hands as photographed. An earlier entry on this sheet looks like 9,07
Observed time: 12,37
